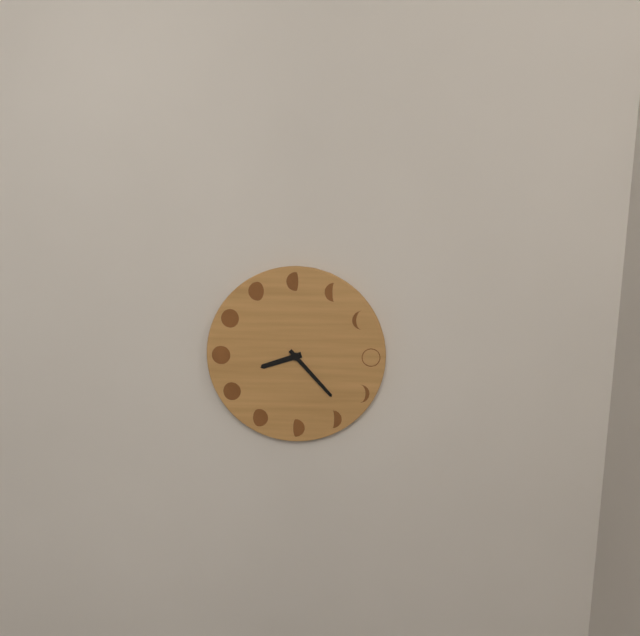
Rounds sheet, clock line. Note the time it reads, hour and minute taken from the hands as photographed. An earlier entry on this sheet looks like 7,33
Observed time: 8,23
